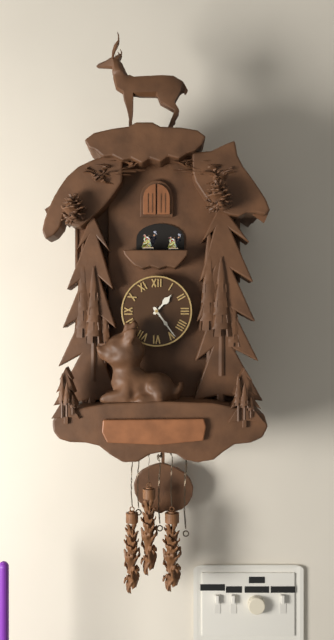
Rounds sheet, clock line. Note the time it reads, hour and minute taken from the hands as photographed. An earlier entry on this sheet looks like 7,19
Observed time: 1,24
